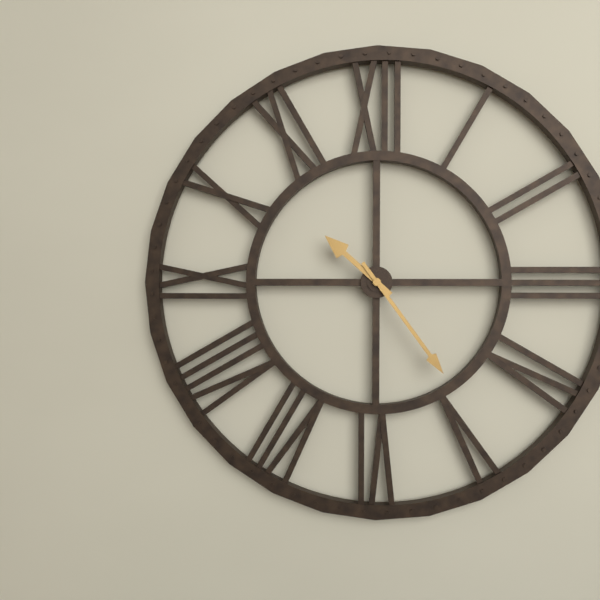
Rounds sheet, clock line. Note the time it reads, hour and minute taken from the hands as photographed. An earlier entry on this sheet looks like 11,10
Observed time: 10,24
